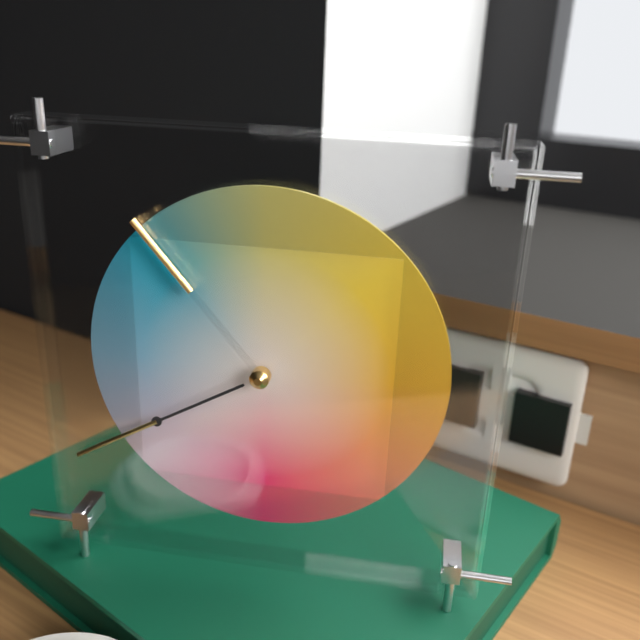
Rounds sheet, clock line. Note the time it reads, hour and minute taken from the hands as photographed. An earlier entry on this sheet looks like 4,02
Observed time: 10,40
